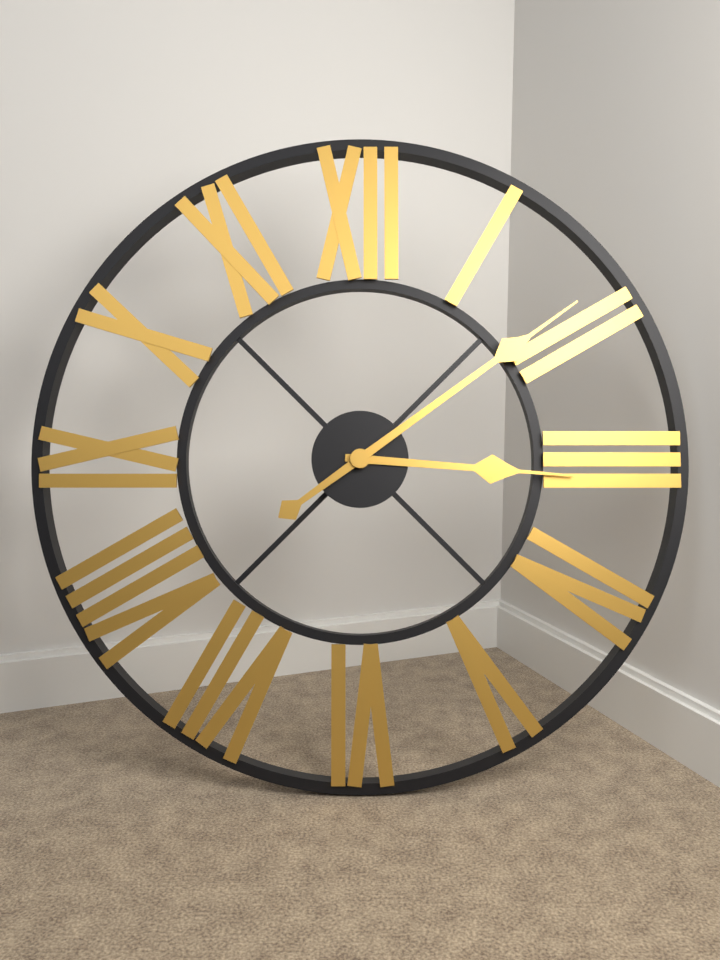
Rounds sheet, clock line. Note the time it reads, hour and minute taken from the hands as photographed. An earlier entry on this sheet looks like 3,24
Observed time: 3,09
